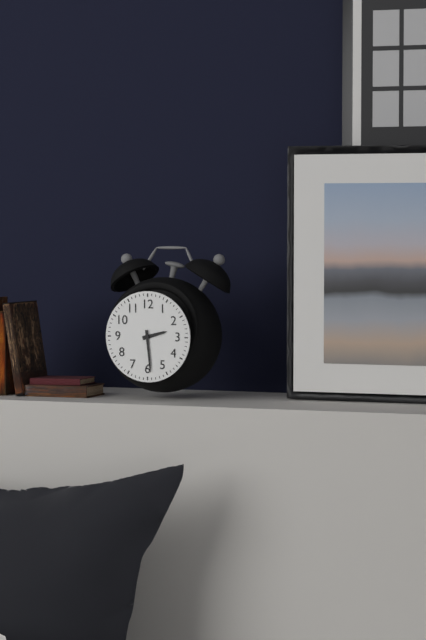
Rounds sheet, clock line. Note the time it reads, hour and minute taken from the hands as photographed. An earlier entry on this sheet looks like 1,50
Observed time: 2,29
